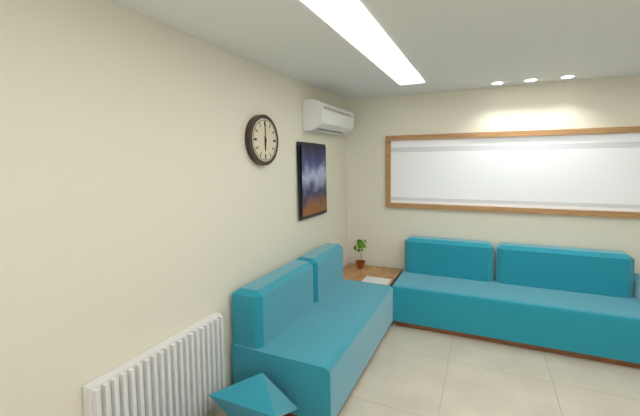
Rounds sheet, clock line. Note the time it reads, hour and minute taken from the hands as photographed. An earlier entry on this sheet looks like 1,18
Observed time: 6,00
